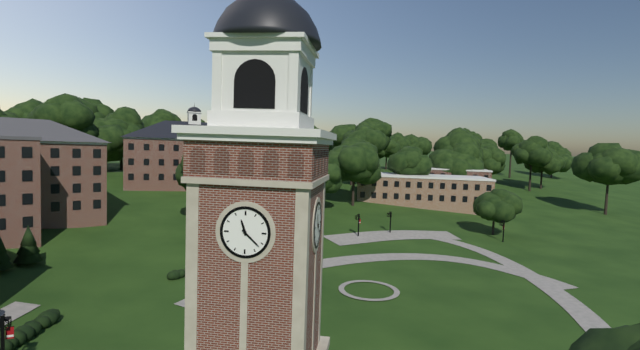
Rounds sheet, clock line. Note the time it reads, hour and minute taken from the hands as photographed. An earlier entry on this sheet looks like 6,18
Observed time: 11,22
